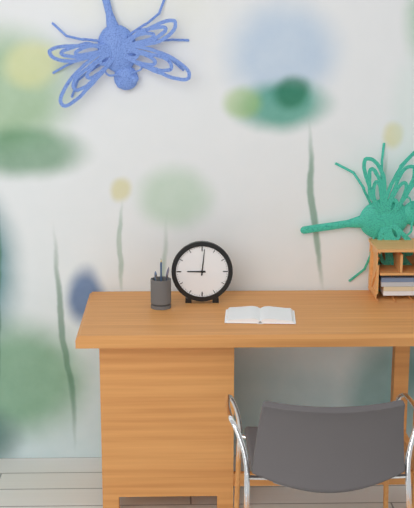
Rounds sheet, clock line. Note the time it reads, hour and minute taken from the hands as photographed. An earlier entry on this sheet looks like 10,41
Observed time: 9,01
